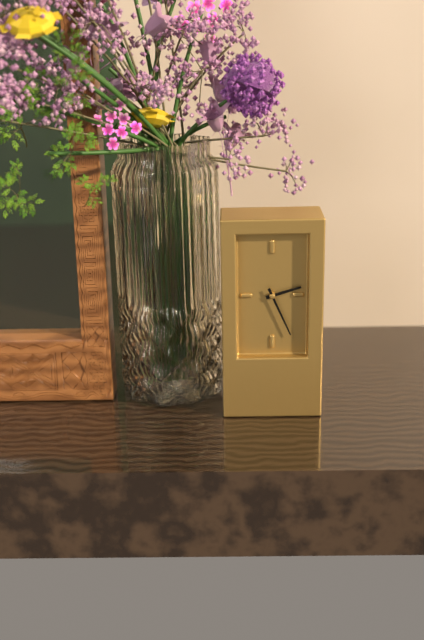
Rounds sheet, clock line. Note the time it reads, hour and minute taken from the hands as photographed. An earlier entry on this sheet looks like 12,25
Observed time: 2,26
